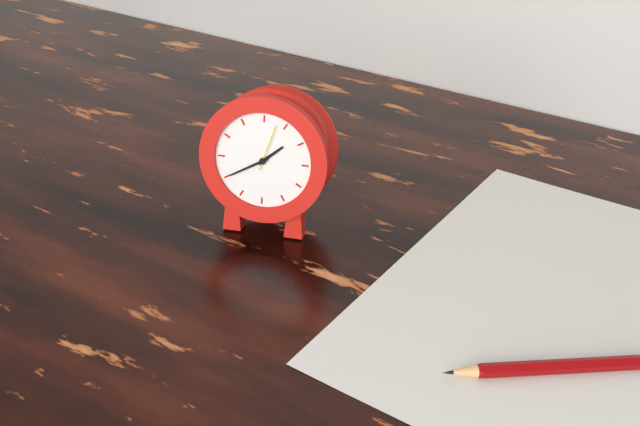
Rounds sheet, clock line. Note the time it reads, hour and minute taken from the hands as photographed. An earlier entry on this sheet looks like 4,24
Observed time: 1,40
